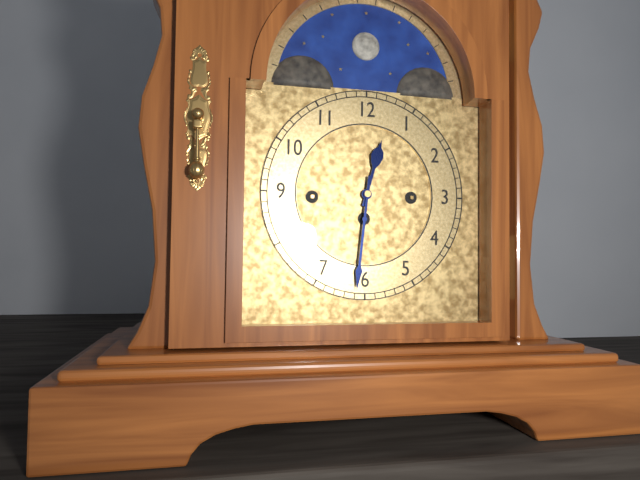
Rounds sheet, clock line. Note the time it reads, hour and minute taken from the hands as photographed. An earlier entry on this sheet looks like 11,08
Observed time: 12,31
